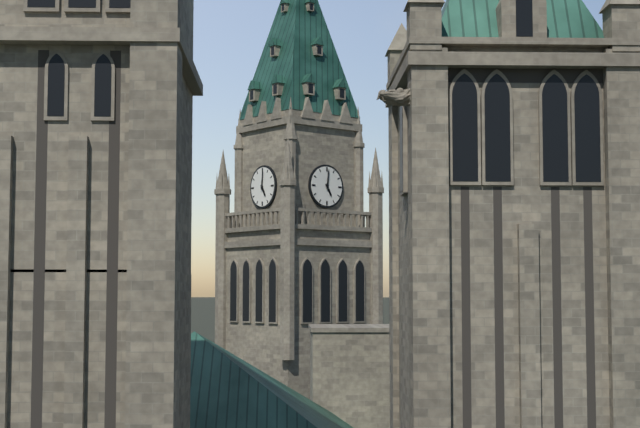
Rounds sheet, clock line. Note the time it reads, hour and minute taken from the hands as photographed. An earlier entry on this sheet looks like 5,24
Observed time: 5,01
